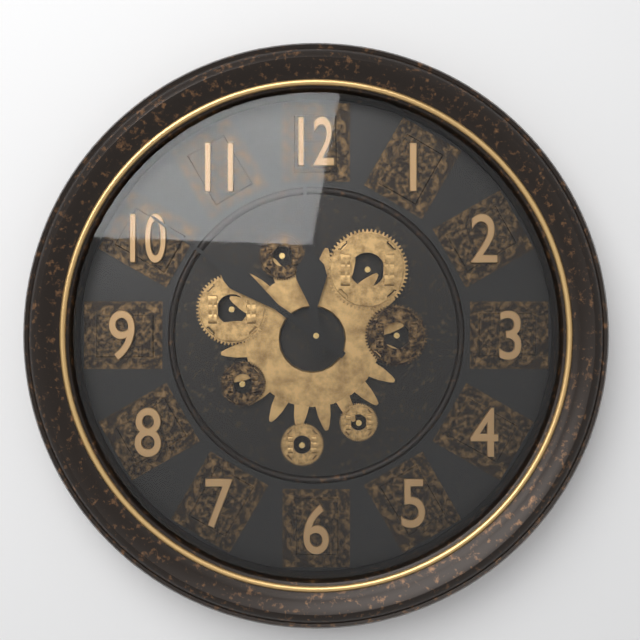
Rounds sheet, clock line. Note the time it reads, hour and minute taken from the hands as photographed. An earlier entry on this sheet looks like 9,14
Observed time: 11,51
